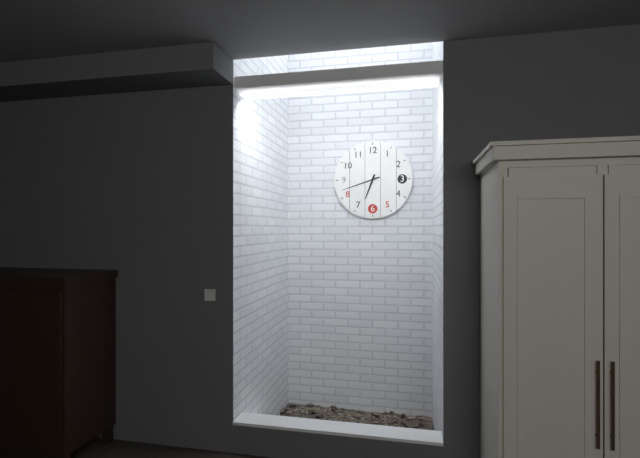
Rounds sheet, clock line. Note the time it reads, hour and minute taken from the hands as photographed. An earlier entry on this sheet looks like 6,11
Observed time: 6,42
